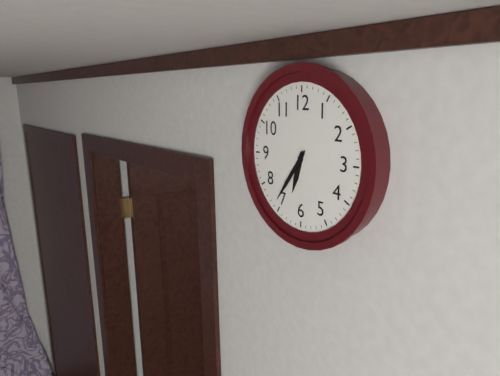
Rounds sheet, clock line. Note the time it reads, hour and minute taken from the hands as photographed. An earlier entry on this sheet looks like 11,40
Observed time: 6,36
